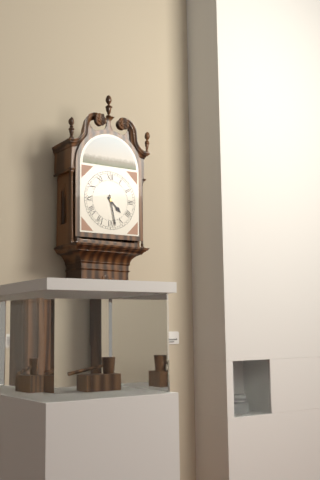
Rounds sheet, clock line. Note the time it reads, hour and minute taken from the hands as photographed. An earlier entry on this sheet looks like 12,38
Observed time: 4,28
